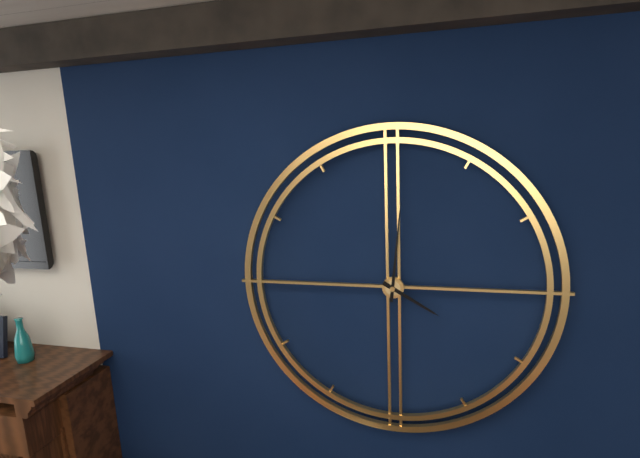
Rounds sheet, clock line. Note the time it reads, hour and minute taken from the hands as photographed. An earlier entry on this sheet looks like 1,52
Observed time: 4,01
